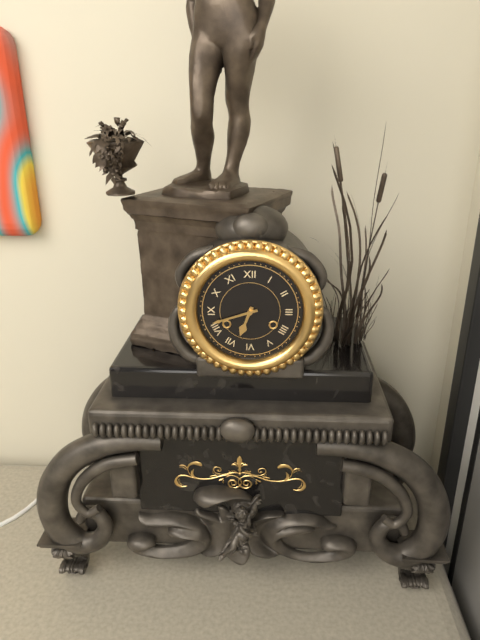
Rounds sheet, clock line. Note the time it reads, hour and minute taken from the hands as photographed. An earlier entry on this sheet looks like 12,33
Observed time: 6,42
